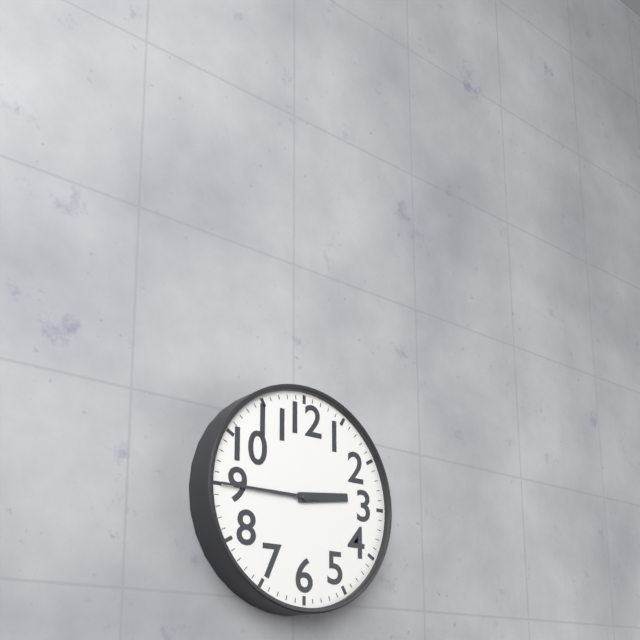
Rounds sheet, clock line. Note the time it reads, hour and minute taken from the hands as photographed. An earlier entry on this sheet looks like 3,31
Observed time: 2,45
